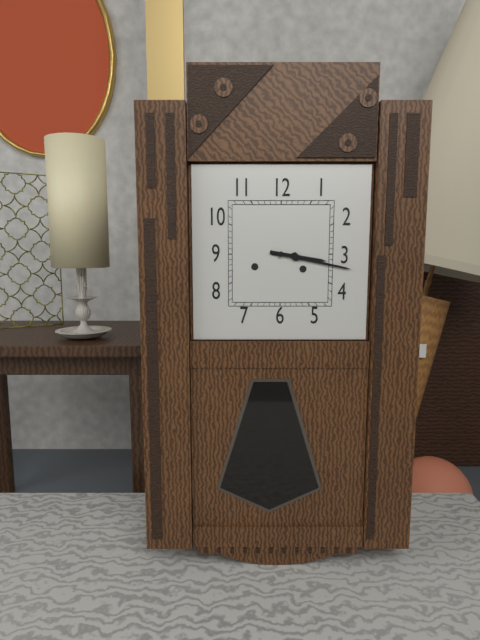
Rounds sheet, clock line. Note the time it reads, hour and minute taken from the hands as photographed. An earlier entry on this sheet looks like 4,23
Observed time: 3,17
